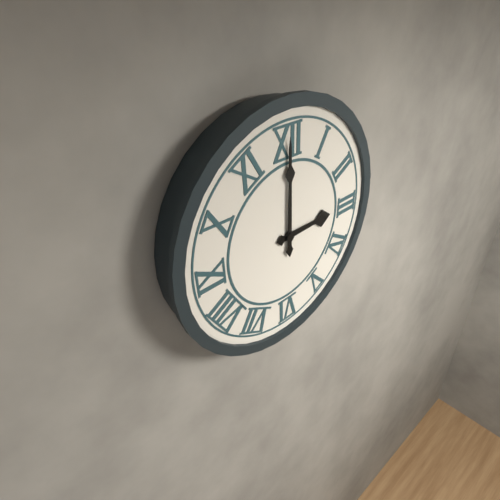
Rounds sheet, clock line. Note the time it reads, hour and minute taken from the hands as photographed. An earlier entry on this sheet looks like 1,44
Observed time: 3,00
